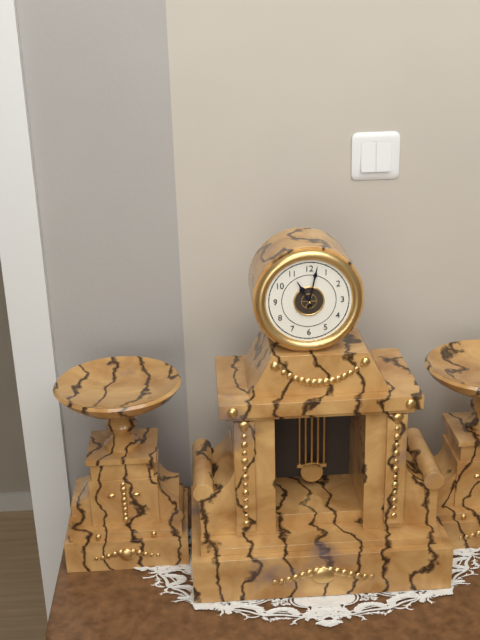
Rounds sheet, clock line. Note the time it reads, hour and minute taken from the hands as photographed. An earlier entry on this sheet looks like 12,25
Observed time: 11,02
